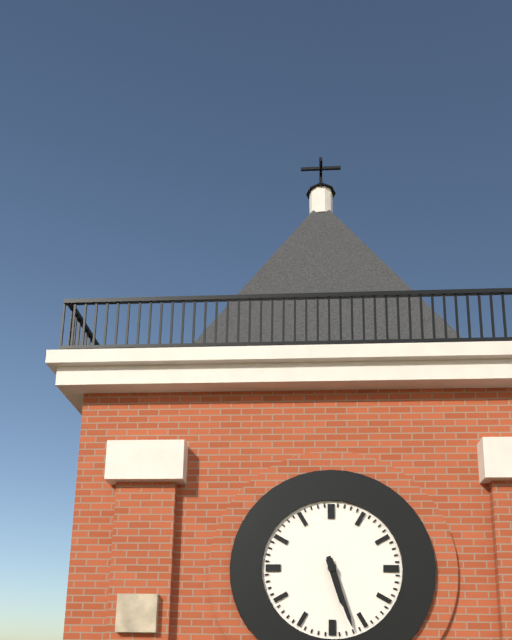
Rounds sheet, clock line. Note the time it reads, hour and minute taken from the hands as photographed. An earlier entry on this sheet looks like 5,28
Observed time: 5,27
